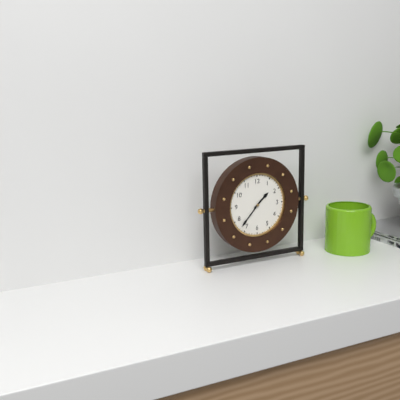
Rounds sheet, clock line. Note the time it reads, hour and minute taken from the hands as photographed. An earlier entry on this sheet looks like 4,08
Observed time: 1,37
